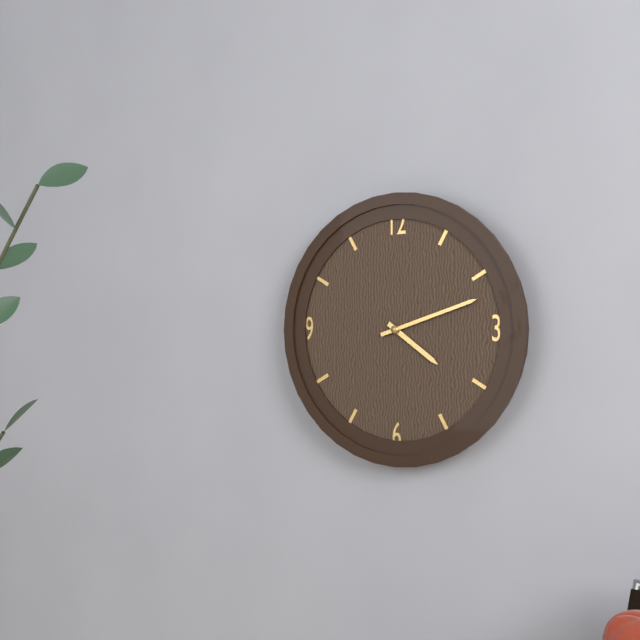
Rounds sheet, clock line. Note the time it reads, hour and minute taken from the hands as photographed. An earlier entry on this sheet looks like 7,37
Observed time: 4,12
